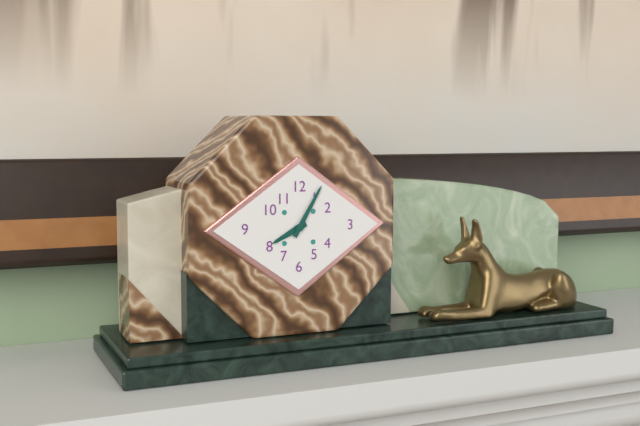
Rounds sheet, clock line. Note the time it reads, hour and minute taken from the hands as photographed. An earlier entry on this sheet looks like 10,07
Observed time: 8,05
